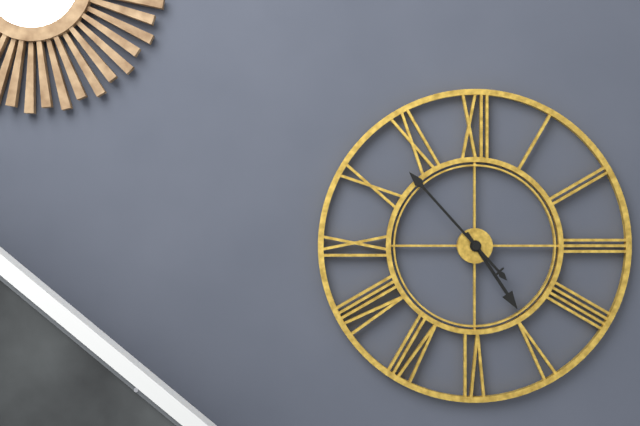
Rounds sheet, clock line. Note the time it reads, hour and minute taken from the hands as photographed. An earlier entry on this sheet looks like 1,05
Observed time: 4,53
